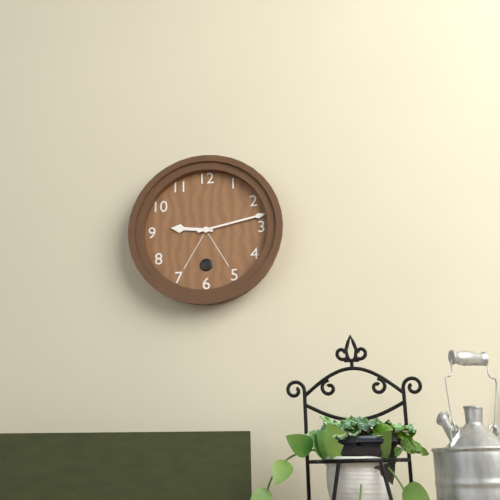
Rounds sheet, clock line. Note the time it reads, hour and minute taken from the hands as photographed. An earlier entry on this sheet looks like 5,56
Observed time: 9,13
